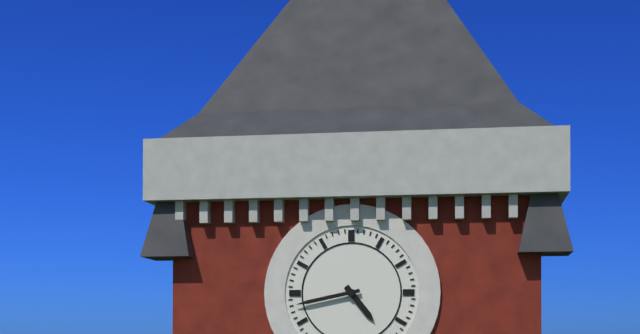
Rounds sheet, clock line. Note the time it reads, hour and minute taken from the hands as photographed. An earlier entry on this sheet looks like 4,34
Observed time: 4,43
